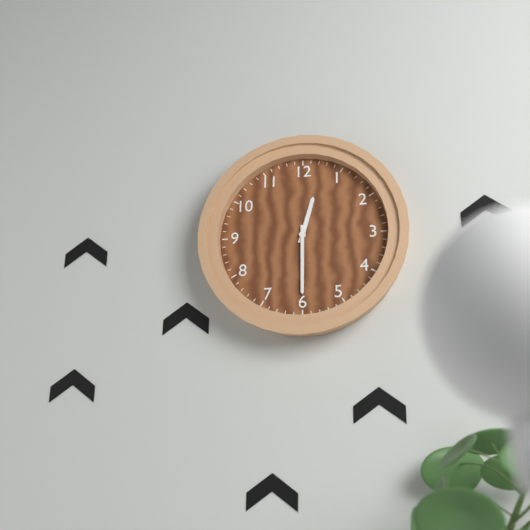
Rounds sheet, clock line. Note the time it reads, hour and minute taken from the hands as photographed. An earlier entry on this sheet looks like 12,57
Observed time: 12,30
